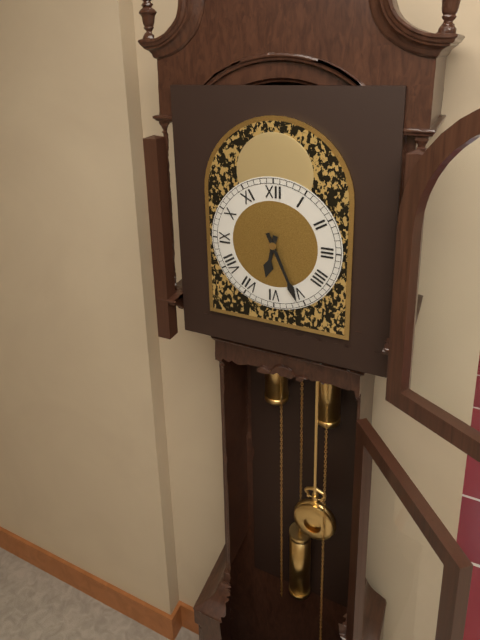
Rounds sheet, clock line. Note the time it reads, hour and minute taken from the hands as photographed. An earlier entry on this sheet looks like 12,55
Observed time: 6,26
